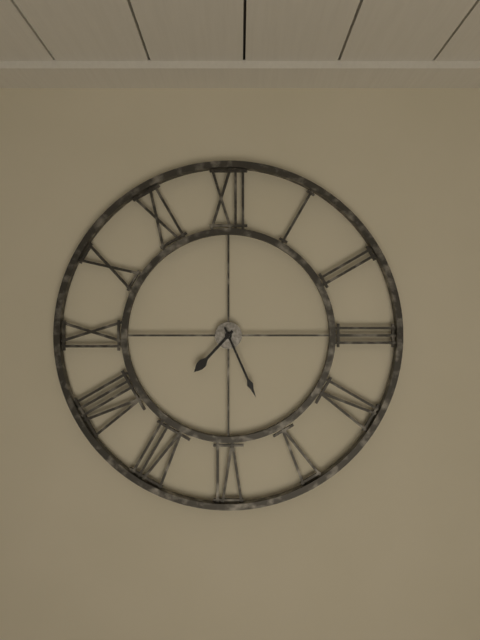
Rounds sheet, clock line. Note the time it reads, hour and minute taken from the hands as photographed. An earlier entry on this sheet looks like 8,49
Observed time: 7,26
